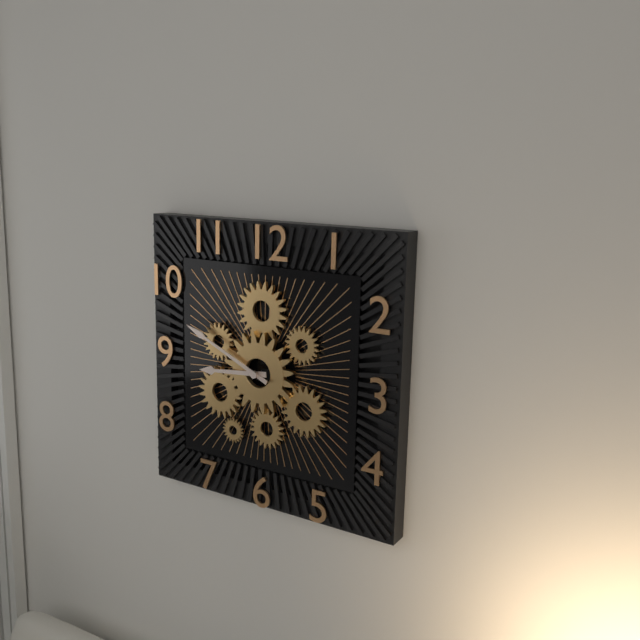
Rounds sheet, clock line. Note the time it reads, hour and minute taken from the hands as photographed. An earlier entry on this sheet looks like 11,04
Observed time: 8,49
